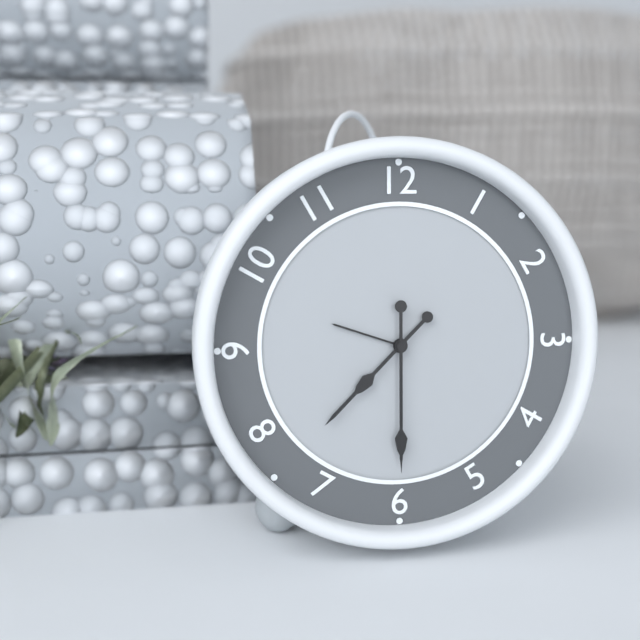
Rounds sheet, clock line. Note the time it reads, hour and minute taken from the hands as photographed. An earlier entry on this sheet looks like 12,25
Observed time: 7,30
